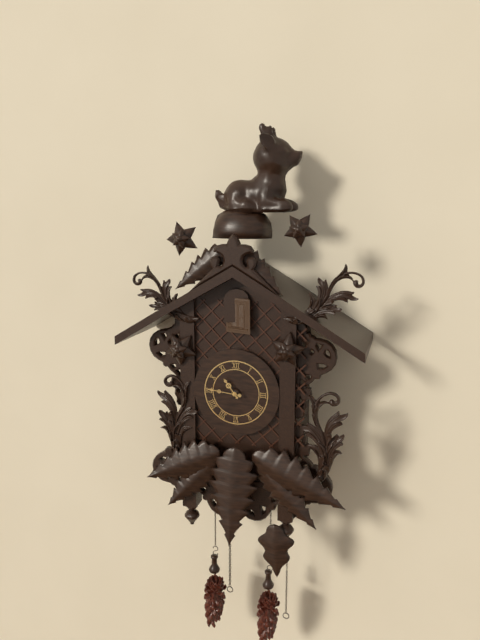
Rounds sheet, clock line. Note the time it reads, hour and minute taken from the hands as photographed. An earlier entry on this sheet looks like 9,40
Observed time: 10,46
